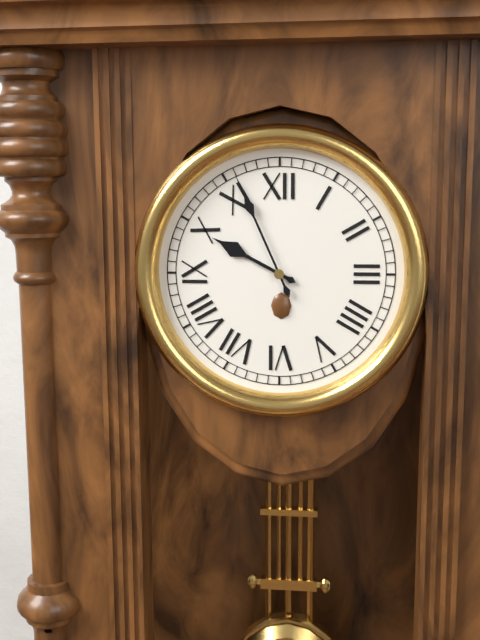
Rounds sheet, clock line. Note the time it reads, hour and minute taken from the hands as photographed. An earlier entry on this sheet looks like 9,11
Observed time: 9,56
